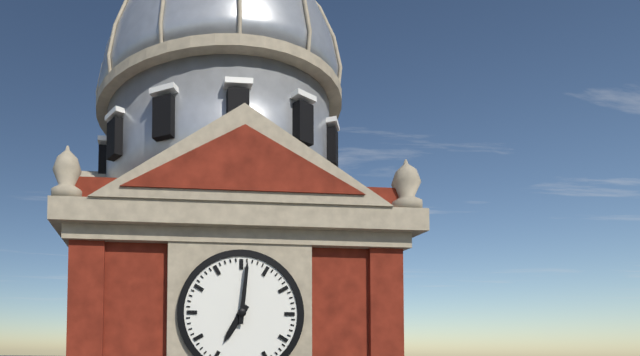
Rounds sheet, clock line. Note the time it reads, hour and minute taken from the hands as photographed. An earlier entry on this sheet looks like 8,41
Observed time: 7,01
